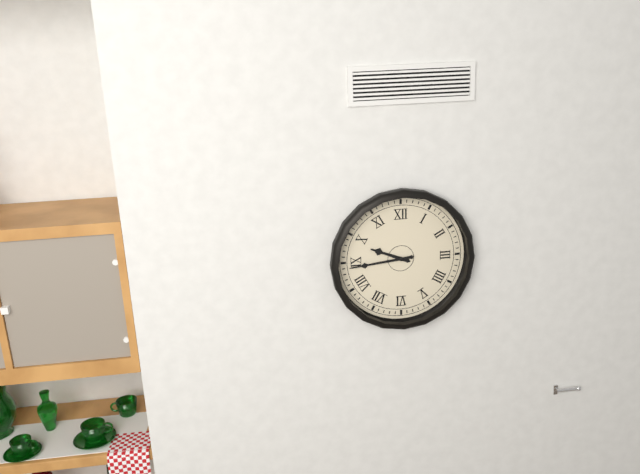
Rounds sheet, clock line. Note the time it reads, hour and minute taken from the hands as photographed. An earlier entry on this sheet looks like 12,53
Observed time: 9,44
